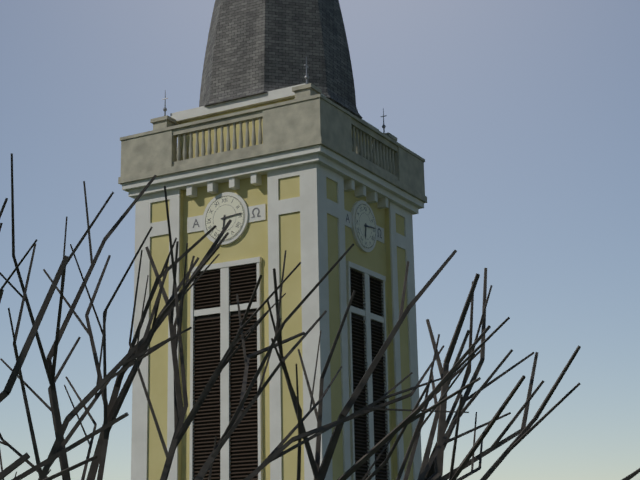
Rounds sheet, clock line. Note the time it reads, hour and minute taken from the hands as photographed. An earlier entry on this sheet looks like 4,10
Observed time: 6,14
